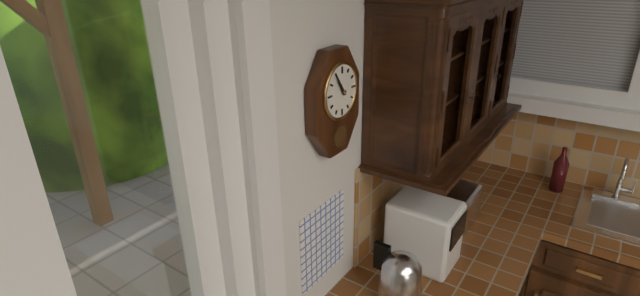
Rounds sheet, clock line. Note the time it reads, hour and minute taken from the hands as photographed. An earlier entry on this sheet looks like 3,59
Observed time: 10,54
